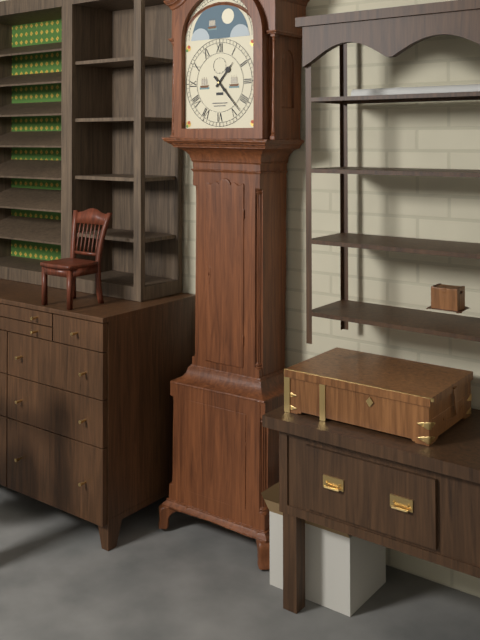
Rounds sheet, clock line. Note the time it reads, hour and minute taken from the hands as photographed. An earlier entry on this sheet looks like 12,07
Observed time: 1,23
